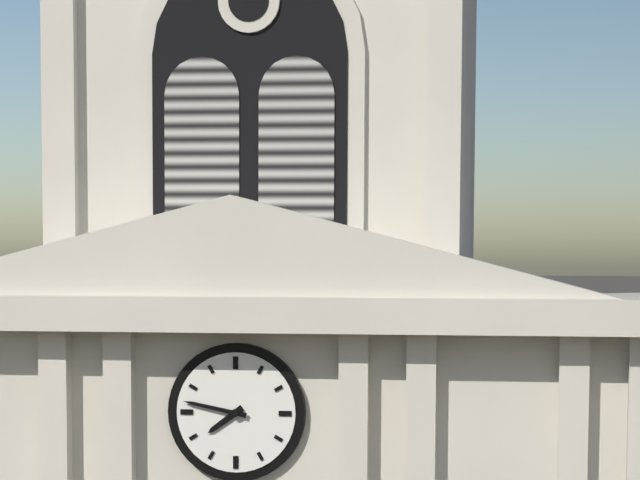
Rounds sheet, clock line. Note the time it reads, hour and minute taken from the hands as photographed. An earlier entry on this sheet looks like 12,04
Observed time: 7,47
